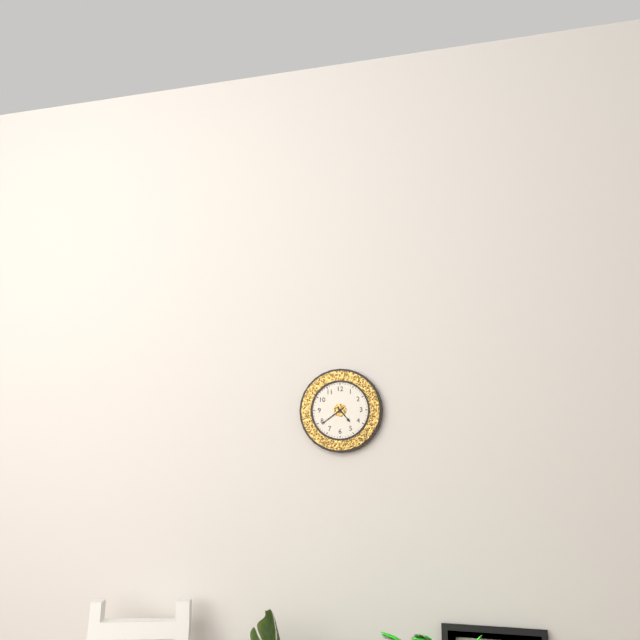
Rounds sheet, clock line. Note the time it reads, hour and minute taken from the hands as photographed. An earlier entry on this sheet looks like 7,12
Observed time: 4,39
